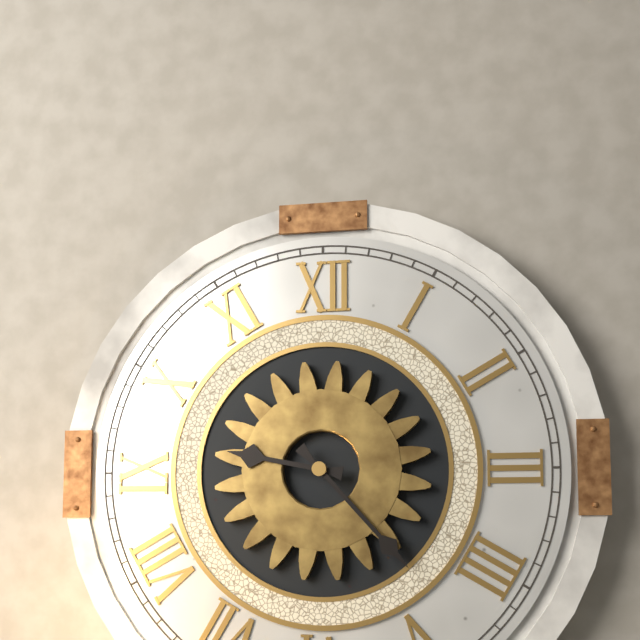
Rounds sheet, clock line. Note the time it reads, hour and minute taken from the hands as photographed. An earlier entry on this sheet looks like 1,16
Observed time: 9,23
